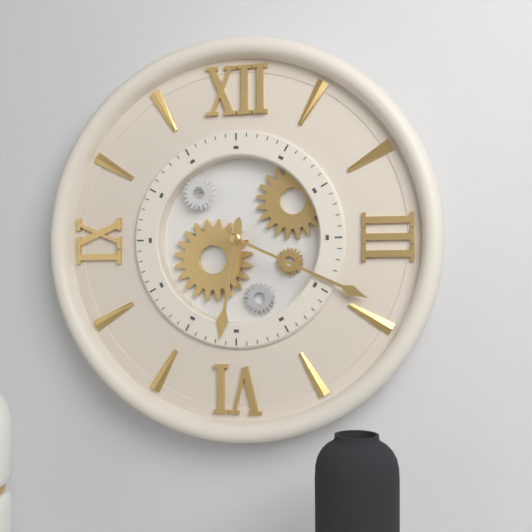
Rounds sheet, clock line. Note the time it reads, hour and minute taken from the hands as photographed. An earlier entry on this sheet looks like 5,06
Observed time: 6,19
